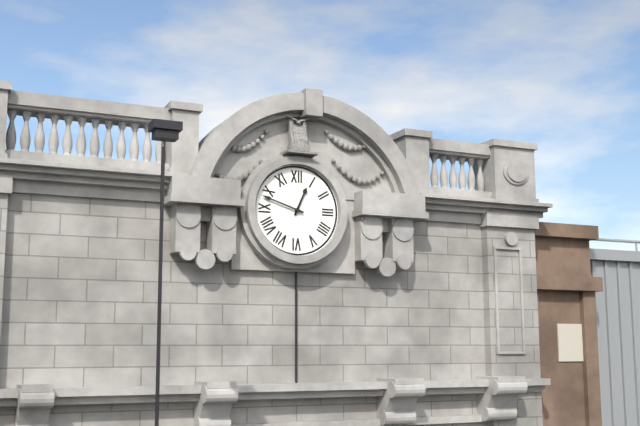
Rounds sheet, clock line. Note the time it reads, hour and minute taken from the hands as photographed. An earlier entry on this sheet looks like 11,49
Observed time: 12,48
